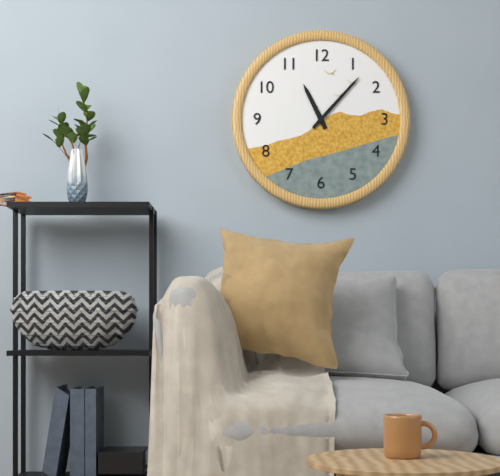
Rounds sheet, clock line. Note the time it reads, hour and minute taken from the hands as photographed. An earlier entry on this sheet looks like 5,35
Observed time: 11,07
